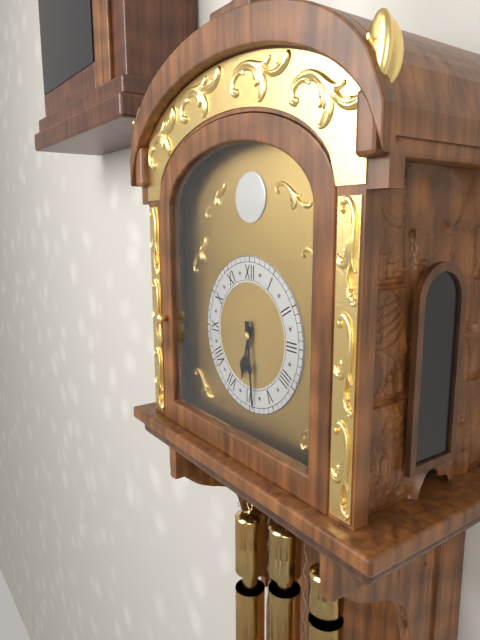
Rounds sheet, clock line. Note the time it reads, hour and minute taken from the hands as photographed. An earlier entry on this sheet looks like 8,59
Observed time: 6,29
